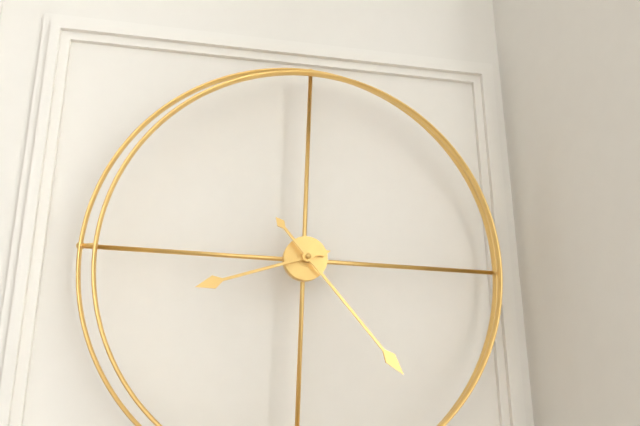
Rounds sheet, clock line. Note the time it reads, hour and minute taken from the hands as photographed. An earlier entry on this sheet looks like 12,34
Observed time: 8,23
